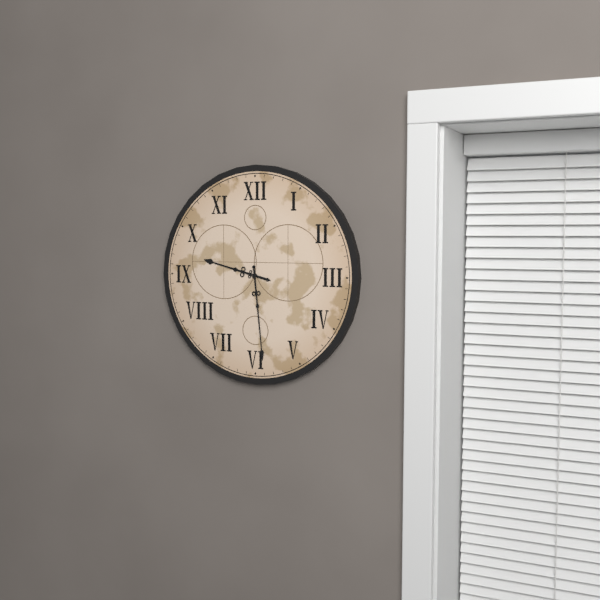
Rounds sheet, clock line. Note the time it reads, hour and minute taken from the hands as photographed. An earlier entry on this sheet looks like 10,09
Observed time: 9,29
